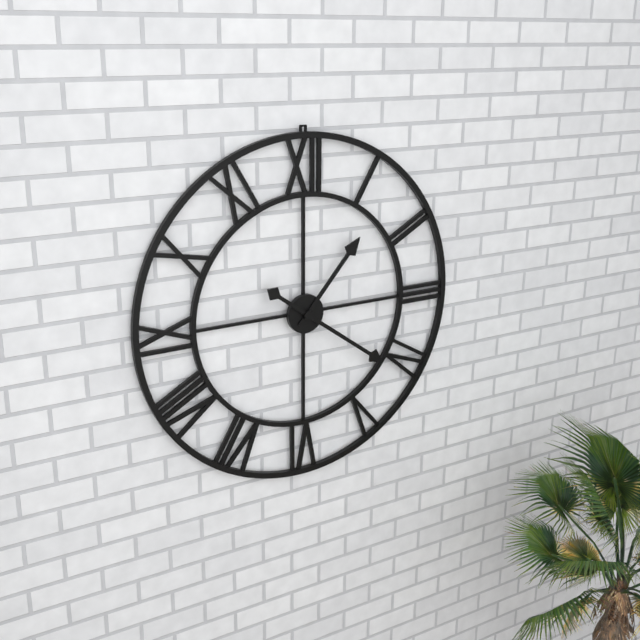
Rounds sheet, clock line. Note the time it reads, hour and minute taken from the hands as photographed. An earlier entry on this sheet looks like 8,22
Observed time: 1,21
